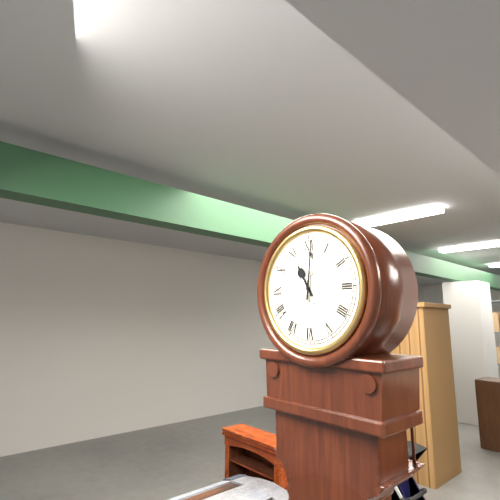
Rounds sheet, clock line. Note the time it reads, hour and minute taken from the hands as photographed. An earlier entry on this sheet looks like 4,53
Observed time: 11,01
